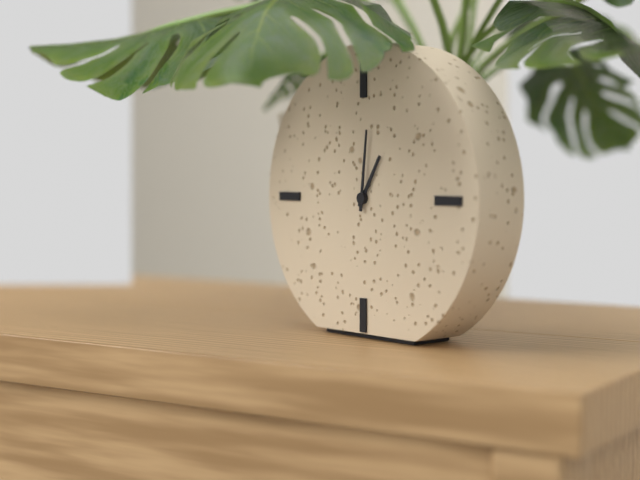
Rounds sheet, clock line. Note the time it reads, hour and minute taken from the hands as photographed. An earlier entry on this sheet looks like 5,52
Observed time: 1,01
